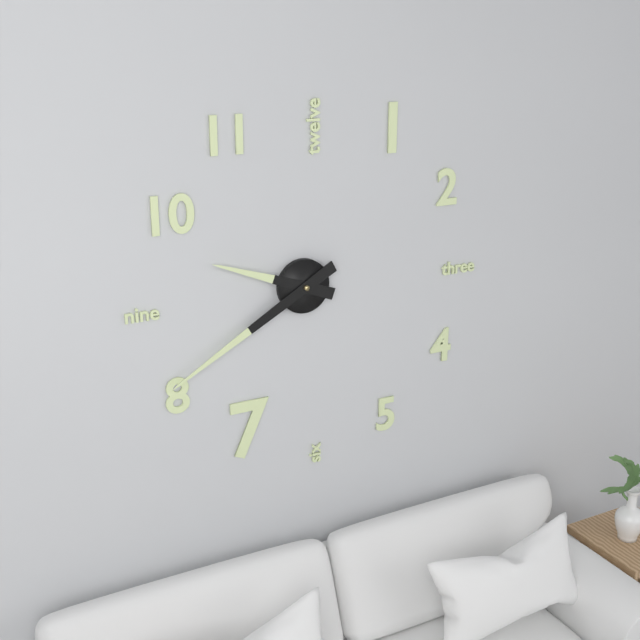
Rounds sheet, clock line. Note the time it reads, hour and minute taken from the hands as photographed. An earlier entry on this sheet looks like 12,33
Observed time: 9,40
